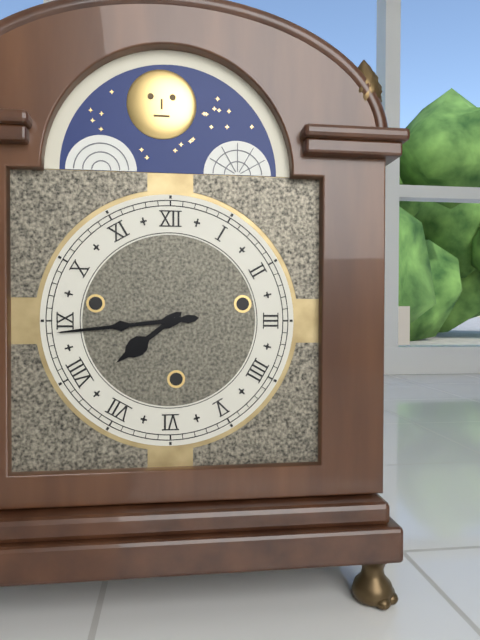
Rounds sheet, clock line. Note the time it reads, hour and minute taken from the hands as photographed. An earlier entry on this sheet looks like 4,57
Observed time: 7,44
